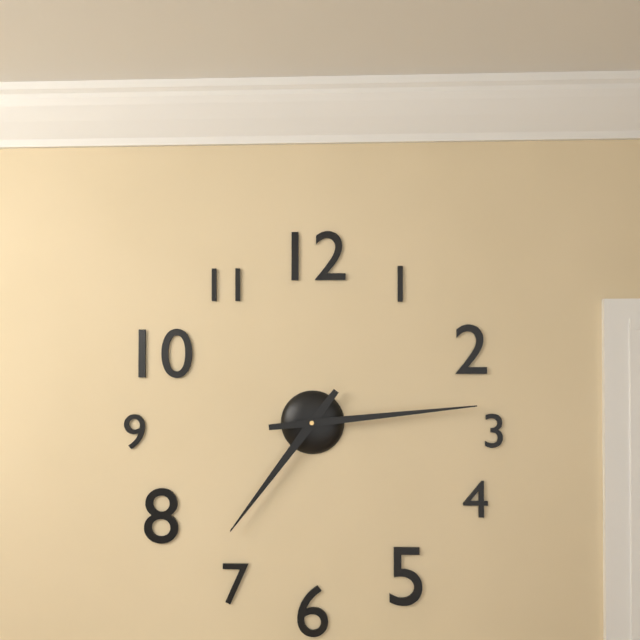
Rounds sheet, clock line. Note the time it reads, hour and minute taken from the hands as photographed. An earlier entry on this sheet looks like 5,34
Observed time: 7,14
